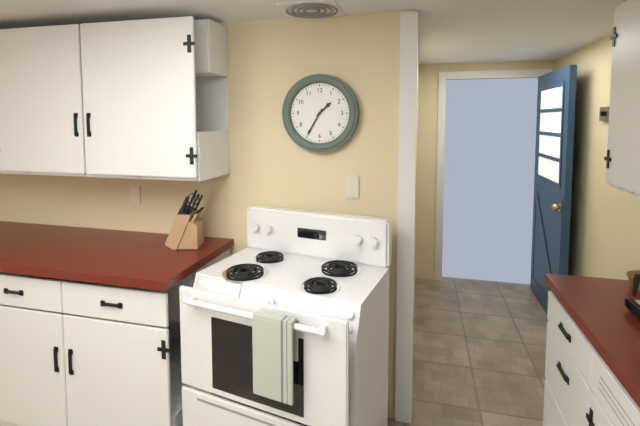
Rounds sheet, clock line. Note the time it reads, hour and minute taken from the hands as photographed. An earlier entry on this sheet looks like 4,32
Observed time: 1,35
